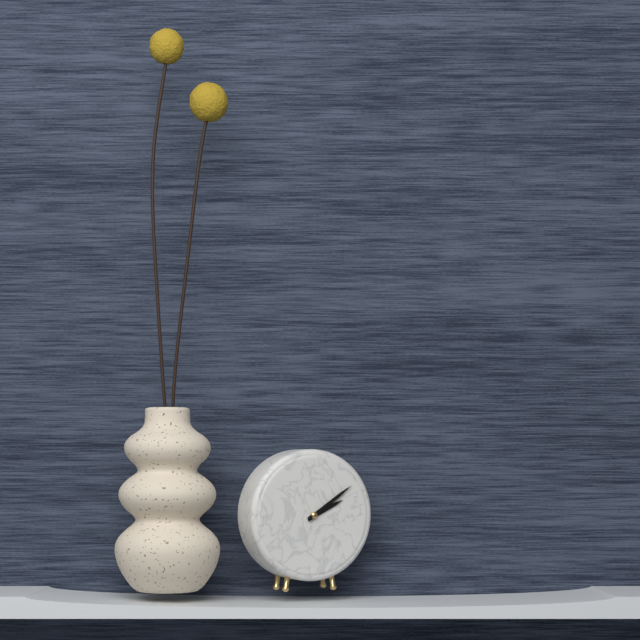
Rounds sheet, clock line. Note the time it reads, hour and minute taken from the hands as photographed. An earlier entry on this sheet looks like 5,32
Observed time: 2,09
